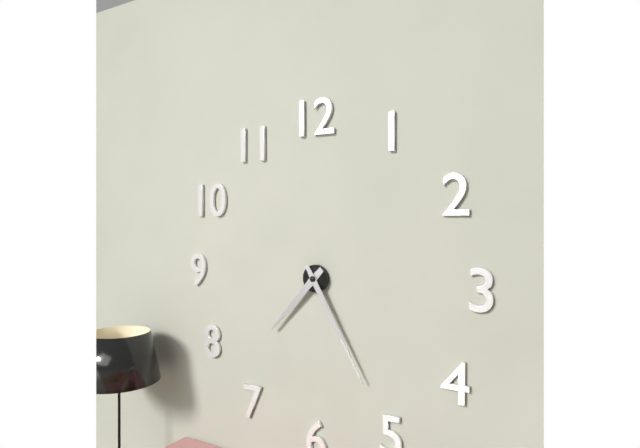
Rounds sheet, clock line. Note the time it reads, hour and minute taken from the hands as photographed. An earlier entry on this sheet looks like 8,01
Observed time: 7,25
